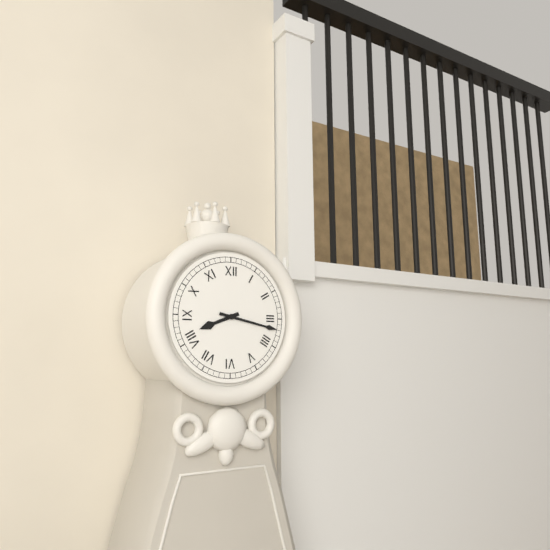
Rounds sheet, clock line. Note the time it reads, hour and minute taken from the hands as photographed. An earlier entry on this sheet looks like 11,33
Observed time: 8,17
